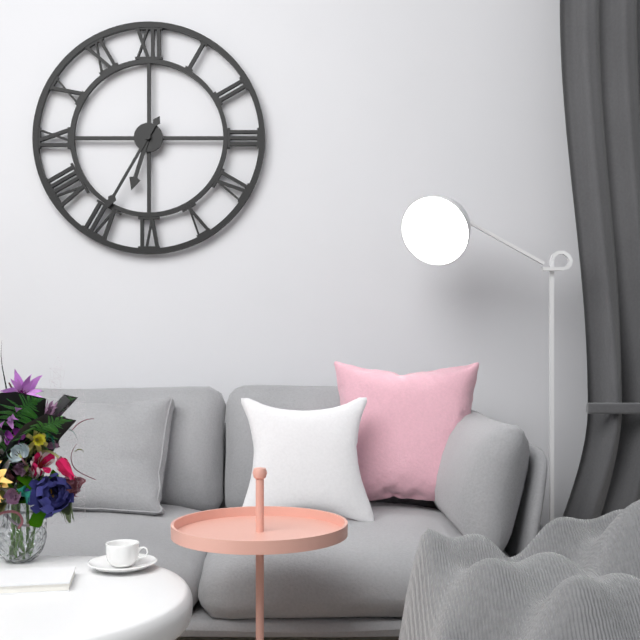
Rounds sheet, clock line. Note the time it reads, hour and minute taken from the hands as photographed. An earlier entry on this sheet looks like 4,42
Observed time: 6,35
